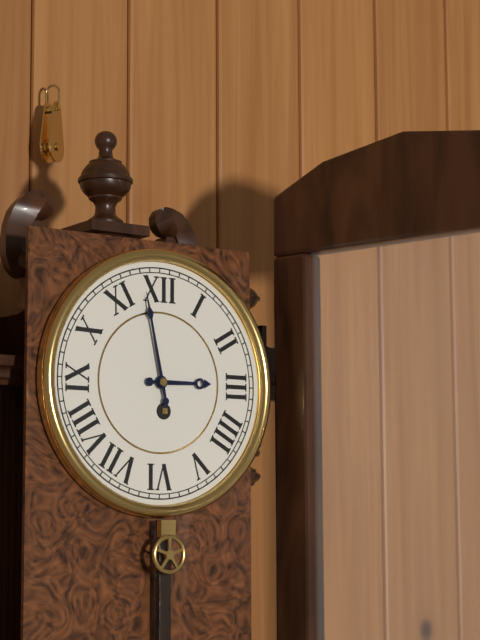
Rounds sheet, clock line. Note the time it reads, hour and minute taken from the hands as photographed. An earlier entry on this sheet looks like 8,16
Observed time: 2,58
